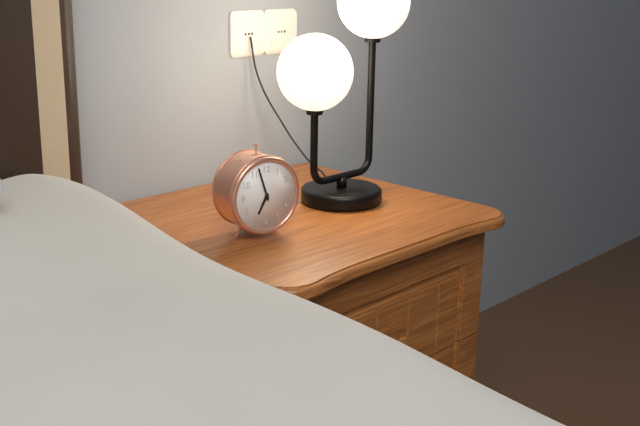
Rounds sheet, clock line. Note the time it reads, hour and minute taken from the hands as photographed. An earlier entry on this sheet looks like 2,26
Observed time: 6,57
